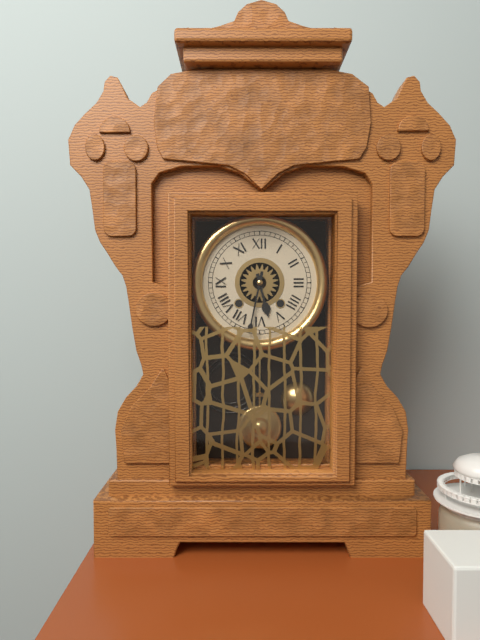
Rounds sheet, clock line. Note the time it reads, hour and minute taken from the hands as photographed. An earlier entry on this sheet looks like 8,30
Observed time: 5,32
